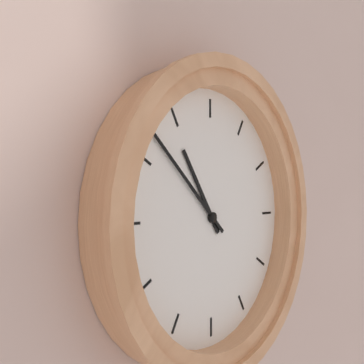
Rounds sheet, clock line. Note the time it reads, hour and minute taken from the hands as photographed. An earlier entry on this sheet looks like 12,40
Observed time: 10,52
